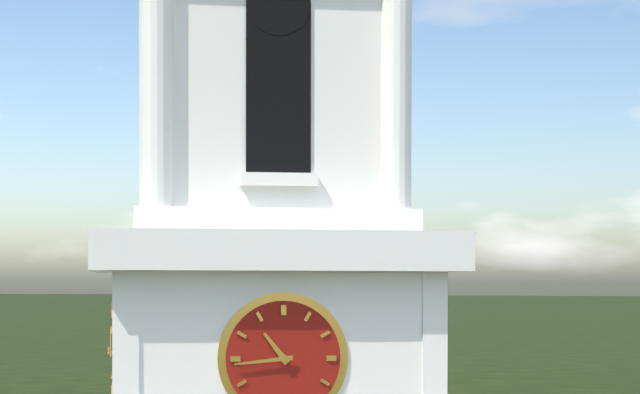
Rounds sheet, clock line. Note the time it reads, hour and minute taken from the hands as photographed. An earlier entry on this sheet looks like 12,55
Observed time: 10,44
